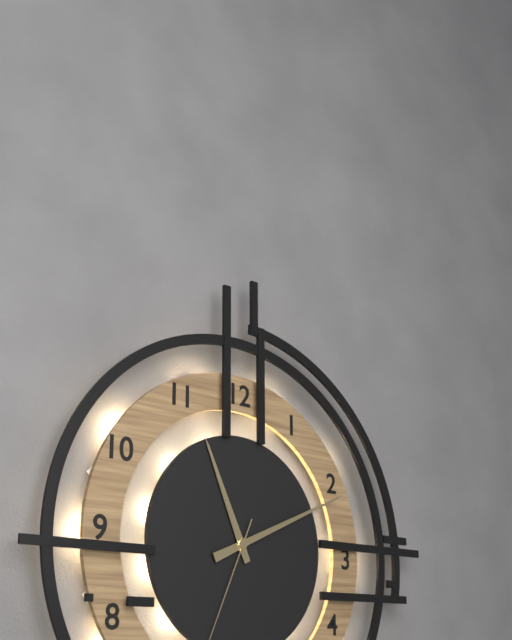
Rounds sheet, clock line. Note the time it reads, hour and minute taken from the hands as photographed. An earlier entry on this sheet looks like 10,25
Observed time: 11,11
